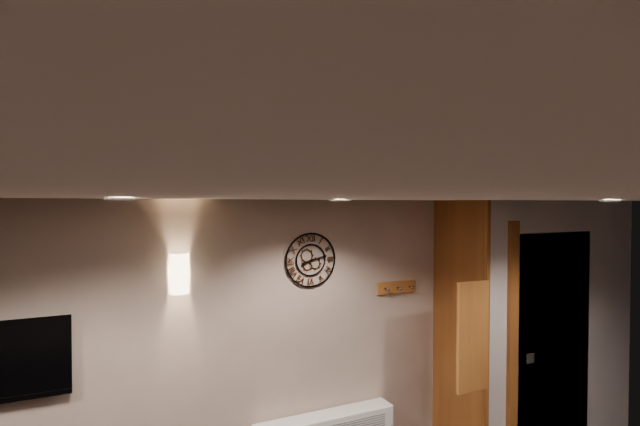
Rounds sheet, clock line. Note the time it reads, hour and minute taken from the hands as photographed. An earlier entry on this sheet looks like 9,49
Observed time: 8,13
